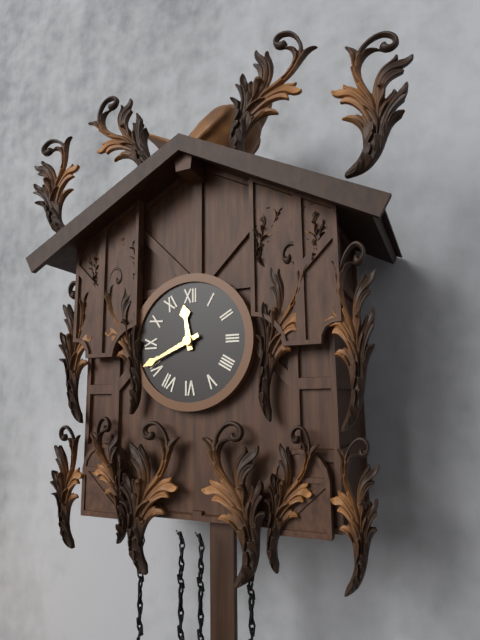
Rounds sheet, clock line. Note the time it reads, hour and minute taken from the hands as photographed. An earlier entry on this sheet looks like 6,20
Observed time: 11,41
